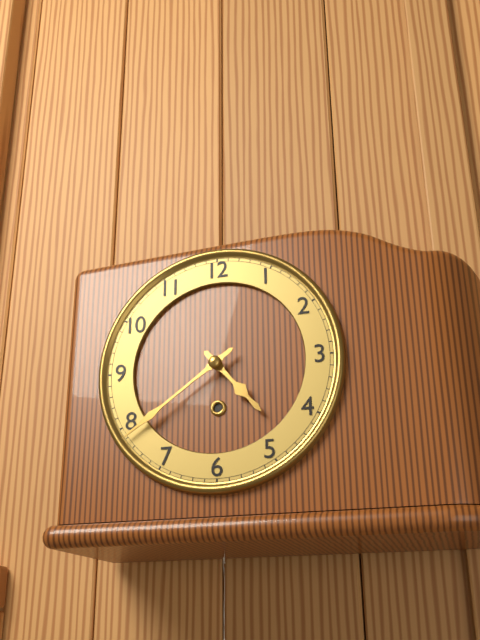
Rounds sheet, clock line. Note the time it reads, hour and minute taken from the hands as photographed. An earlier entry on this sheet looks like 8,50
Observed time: 4,39
